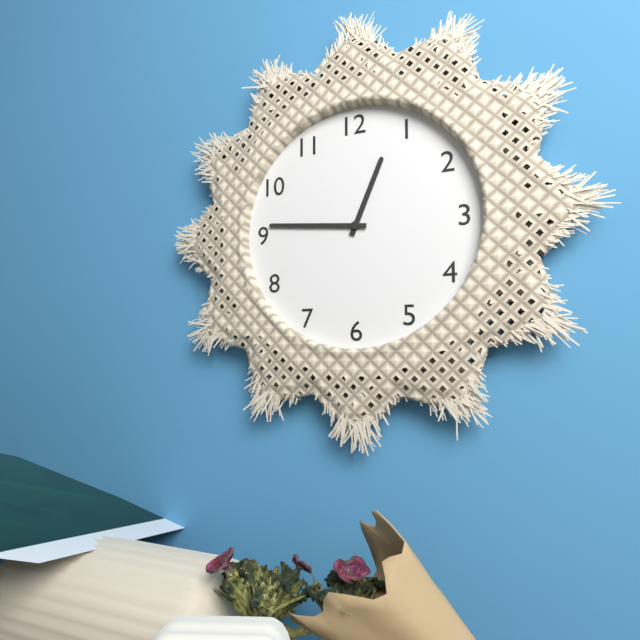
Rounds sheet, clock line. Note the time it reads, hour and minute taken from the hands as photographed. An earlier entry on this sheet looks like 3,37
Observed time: 12,46
